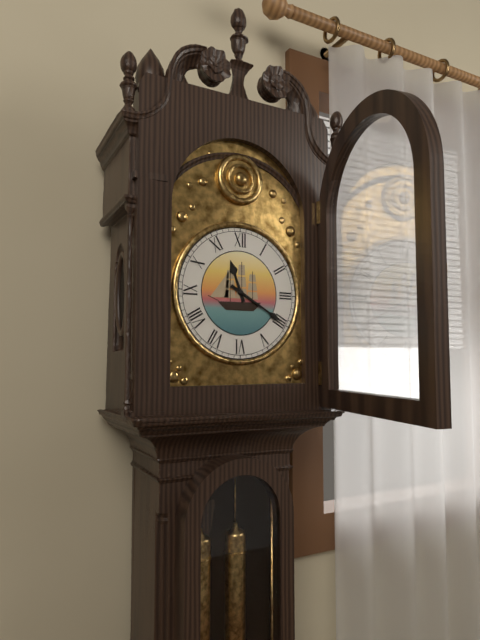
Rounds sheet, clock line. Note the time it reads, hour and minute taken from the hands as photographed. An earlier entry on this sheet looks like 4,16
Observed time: 11,20
